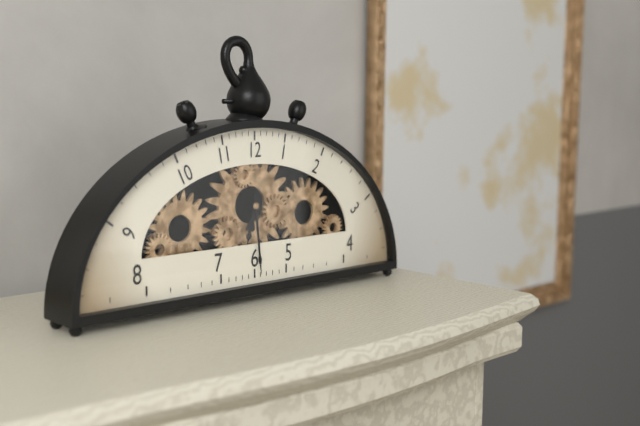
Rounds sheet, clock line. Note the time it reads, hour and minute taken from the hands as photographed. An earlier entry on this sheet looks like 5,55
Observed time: 6,29
